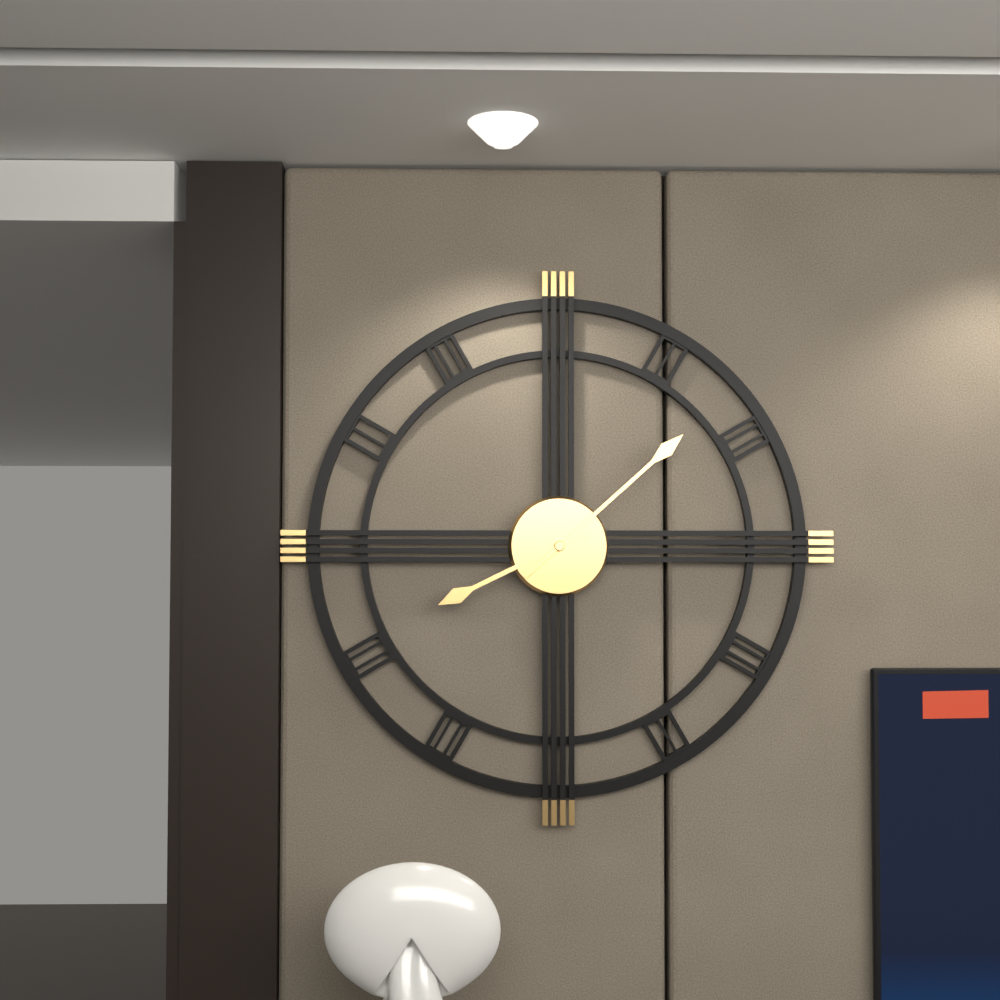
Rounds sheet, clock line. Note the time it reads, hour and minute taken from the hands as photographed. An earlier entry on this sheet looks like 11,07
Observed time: 8,08
